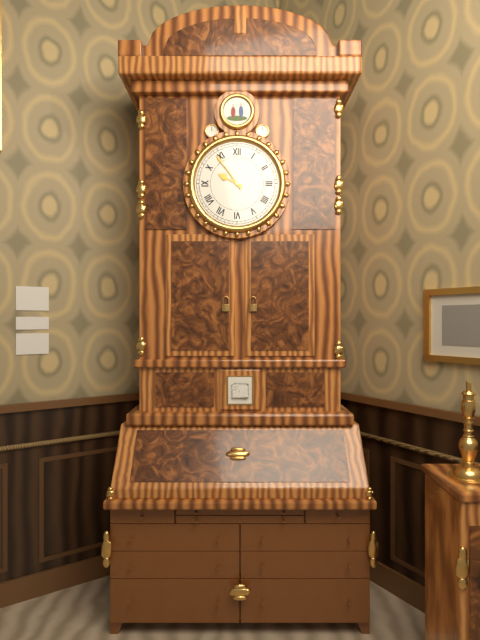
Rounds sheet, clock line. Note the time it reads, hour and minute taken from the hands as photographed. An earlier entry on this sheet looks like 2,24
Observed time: 9,54
